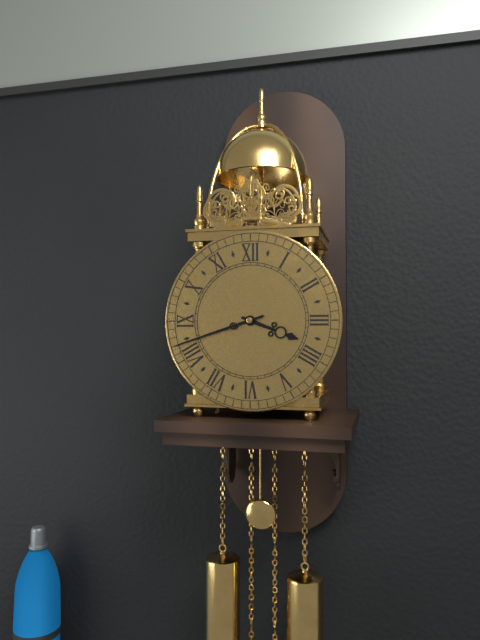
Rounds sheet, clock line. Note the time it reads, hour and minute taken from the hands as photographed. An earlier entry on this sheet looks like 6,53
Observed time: 3,42
